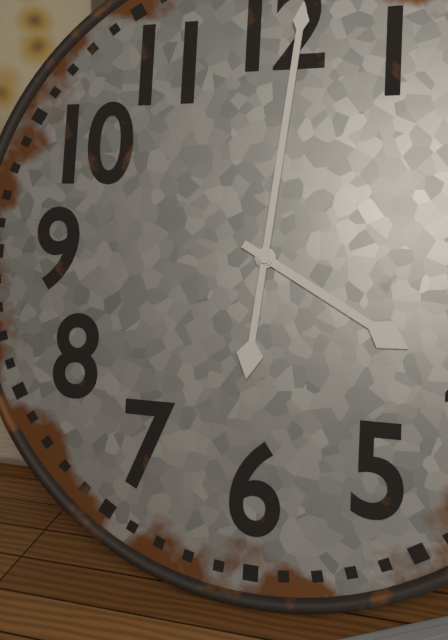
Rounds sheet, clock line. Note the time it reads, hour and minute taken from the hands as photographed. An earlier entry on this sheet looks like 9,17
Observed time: 4,01
